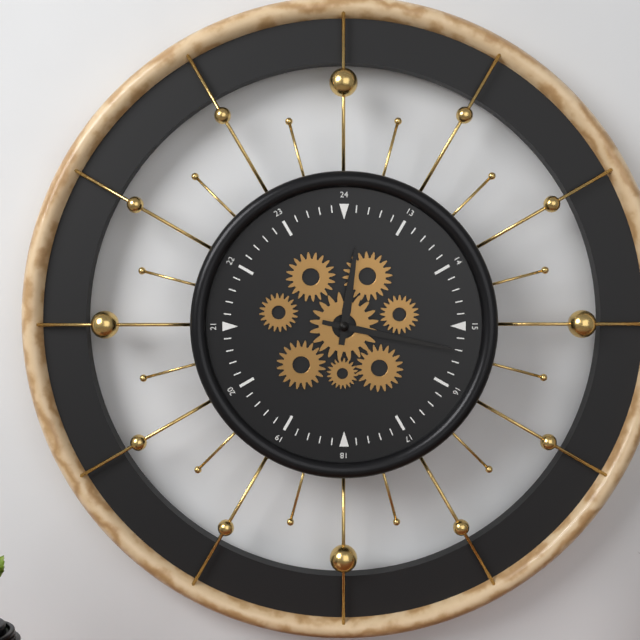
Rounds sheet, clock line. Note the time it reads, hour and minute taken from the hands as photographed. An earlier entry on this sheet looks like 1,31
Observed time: 12,17
